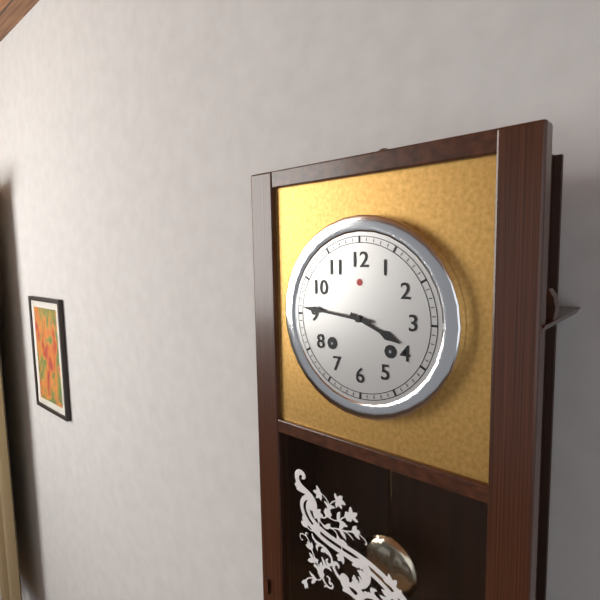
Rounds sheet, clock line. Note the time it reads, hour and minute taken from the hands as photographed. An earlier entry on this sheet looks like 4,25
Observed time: 3,46
